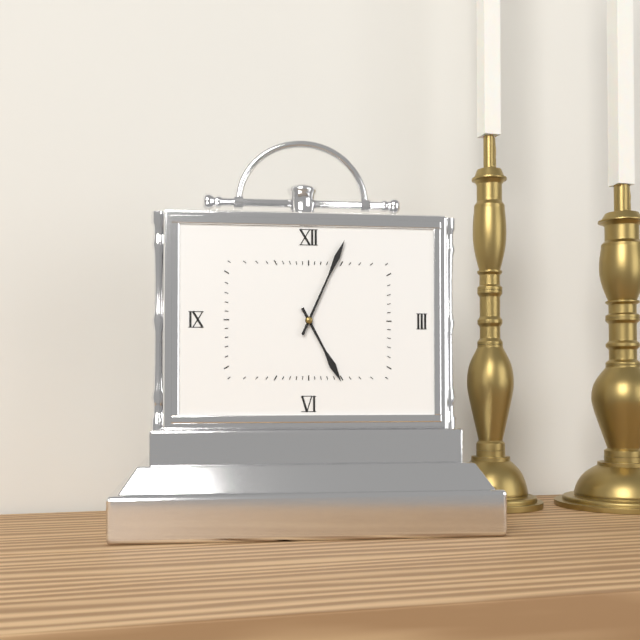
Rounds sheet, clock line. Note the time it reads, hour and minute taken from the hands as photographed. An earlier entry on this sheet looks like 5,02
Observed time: 5,04
